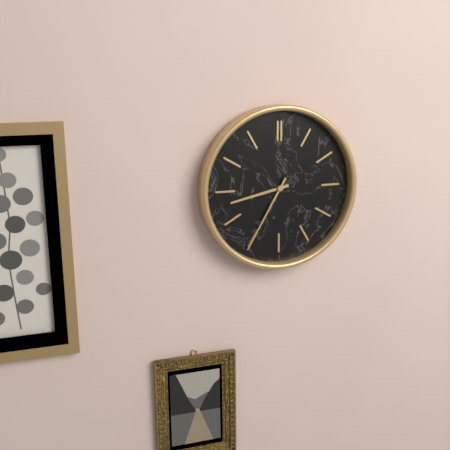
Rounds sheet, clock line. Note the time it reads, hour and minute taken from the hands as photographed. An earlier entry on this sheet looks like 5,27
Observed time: 8,35
